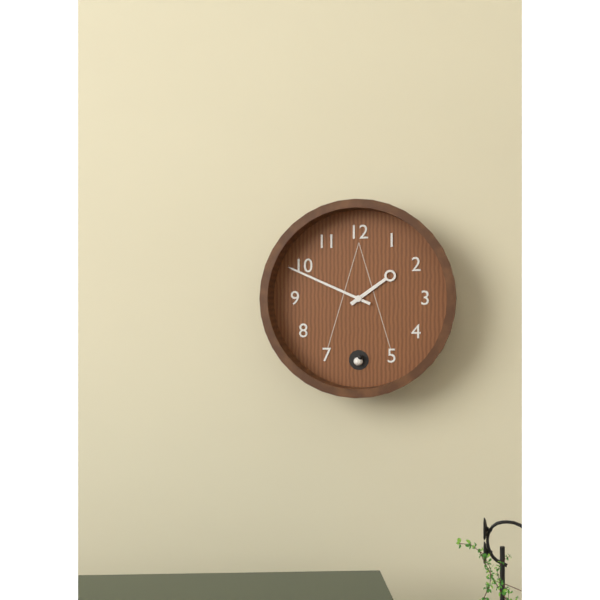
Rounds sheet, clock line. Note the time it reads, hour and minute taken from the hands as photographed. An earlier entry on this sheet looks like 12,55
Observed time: 1,49
